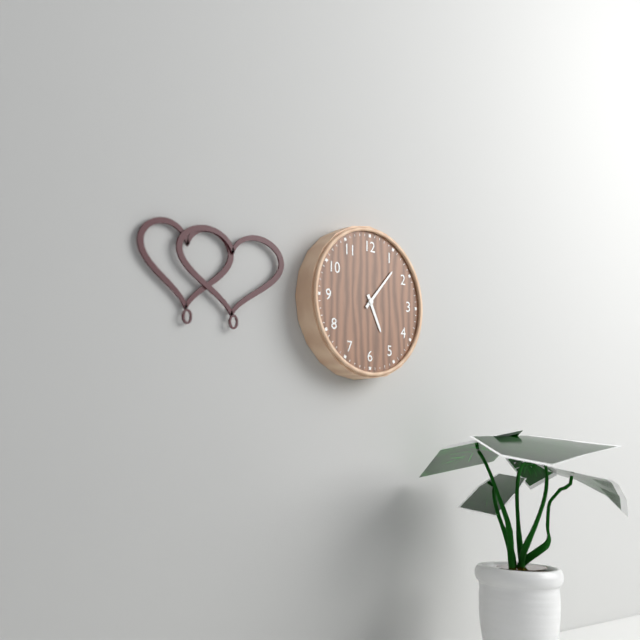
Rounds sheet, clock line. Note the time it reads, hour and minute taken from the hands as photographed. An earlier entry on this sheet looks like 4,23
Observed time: 5,07
